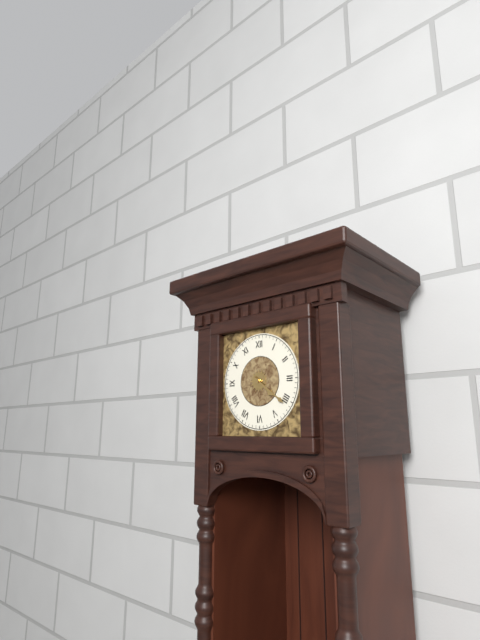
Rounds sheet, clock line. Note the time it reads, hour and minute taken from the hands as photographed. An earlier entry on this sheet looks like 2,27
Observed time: 4,21
